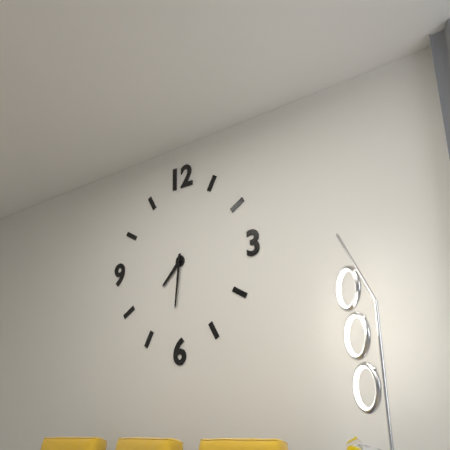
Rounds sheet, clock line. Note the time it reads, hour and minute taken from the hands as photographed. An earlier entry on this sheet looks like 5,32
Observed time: 7,31
